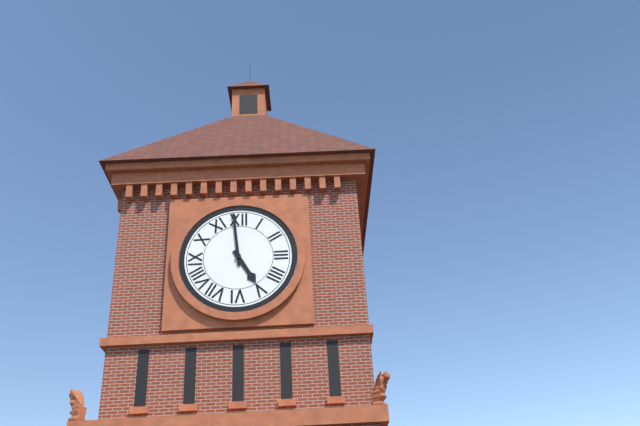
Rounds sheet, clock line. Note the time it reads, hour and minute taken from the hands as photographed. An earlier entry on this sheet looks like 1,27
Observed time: 4,59
